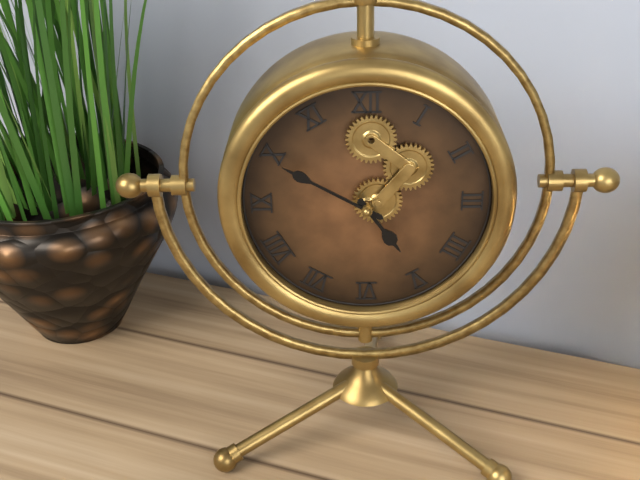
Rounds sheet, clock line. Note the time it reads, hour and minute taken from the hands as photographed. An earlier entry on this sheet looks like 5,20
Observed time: 4,50
